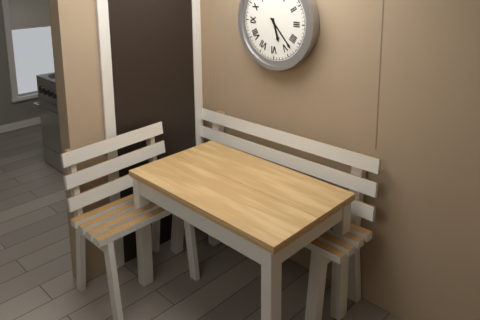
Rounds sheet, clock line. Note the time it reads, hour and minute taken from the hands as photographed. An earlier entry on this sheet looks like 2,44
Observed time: 5,23
